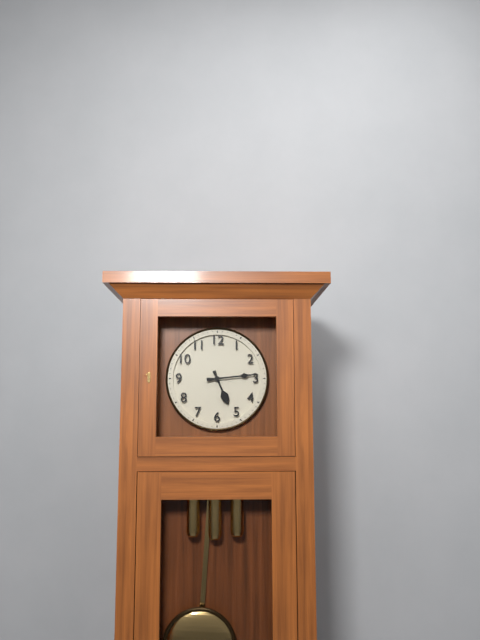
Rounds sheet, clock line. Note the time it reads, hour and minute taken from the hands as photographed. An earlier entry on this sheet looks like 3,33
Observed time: 5,14
